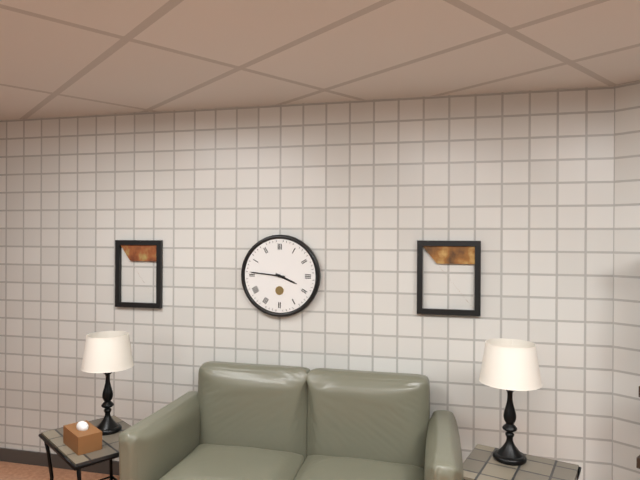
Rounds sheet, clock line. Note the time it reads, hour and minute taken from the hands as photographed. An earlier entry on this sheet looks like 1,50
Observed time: 3,46
